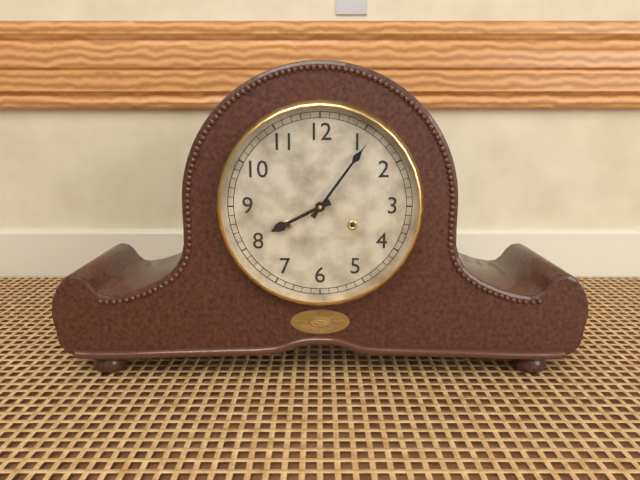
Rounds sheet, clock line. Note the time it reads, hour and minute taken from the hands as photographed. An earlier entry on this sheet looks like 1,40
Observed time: 8,06
